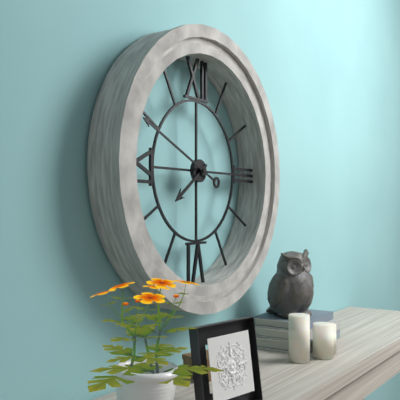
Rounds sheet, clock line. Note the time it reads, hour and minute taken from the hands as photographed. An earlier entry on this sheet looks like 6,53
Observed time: 7,49
